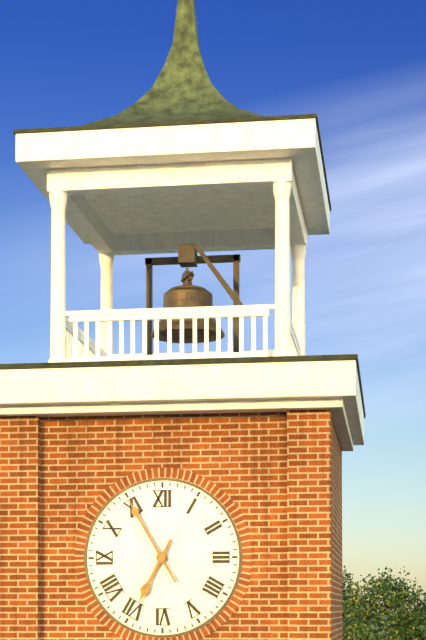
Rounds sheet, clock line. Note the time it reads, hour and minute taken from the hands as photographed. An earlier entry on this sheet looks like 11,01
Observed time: 6,55
